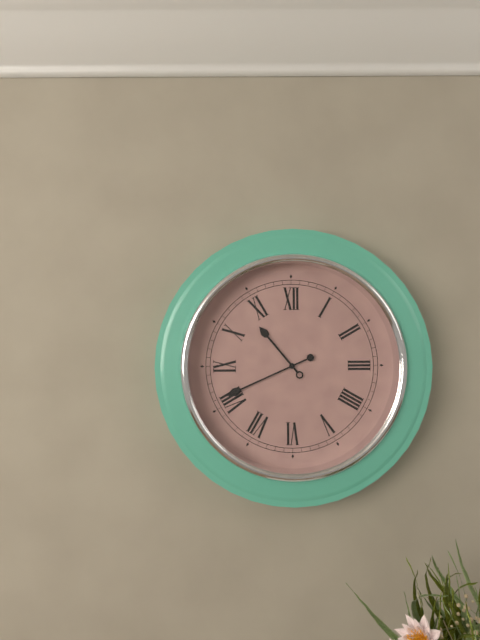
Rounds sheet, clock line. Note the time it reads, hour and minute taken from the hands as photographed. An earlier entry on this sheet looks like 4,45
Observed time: 10,41
